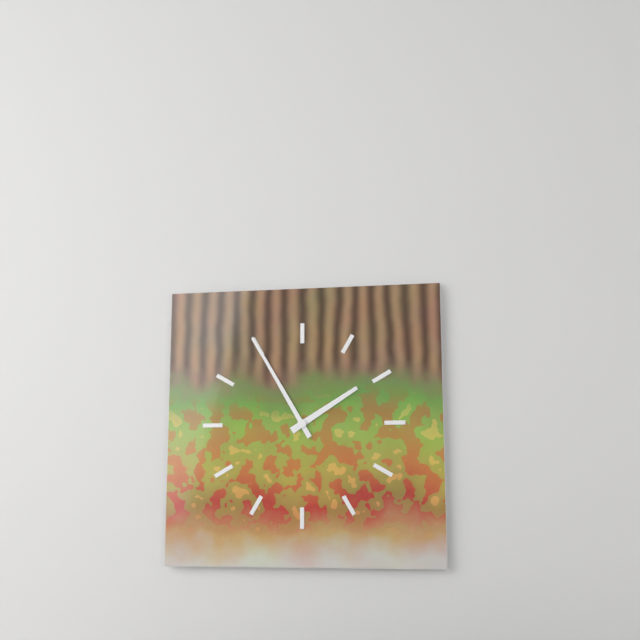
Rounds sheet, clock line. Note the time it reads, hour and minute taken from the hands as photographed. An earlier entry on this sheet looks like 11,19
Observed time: 1,55
